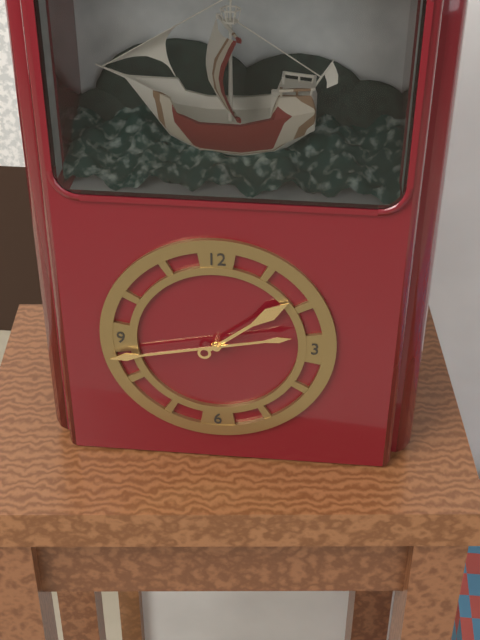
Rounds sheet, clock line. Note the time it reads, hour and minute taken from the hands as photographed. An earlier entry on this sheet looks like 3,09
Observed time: 1,43
